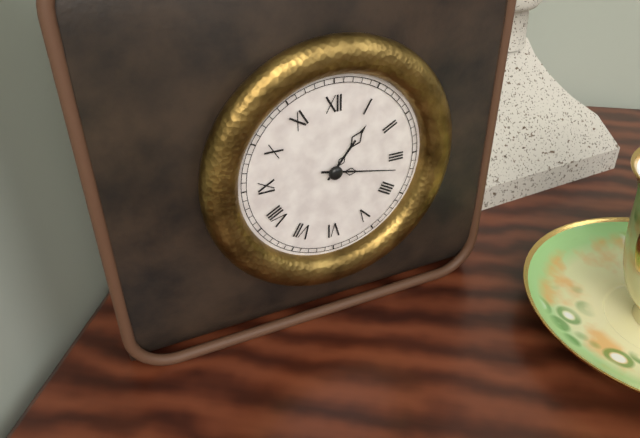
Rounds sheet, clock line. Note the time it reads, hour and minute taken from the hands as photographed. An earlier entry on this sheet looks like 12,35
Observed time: 1,17
